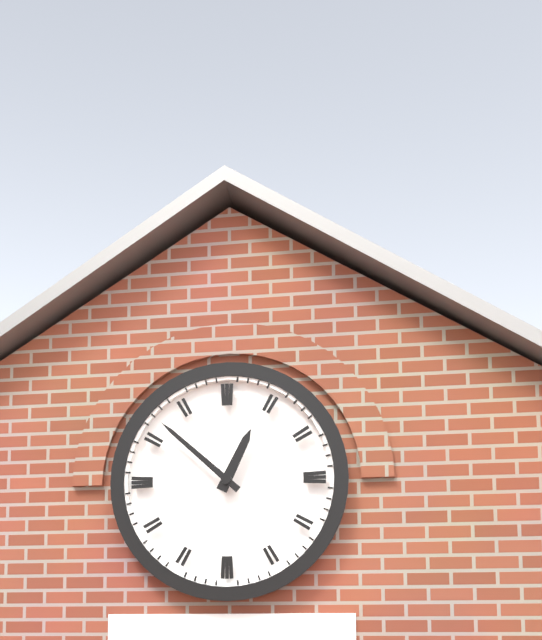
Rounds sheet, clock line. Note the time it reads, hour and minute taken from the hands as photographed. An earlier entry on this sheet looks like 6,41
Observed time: 12,52
